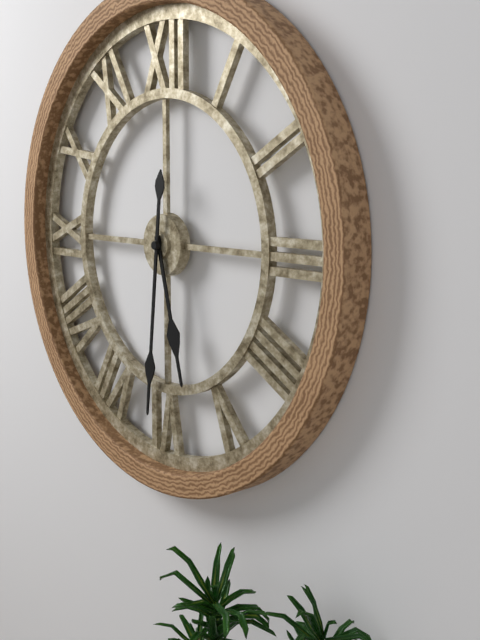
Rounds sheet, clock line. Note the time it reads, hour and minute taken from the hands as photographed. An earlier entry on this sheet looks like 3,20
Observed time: 5,31
